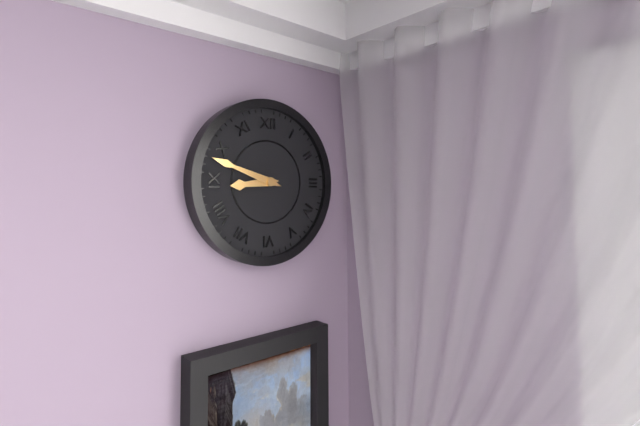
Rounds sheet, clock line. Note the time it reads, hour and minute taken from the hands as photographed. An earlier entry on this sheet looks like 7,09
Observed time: 8,48
